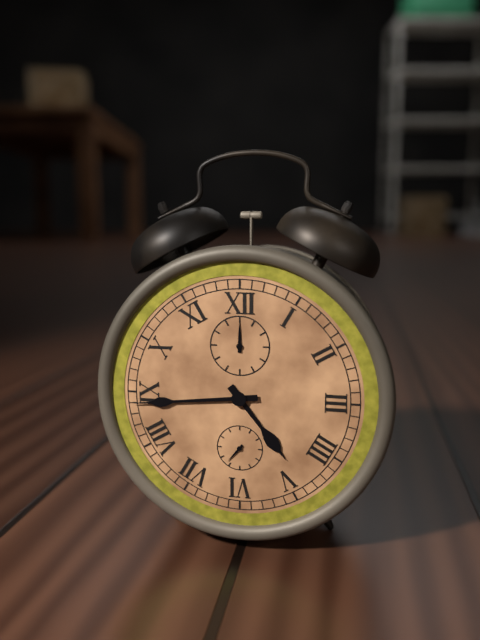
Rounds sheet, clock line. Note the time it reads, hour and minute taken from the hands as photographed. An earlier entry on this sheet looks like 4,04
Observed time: 4,44
